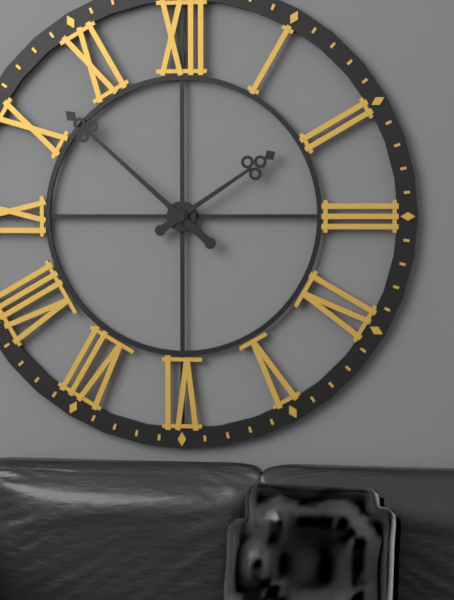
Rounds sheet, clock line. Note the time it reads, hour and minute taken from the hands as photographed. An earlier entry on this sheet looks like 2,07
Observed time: 1,52
